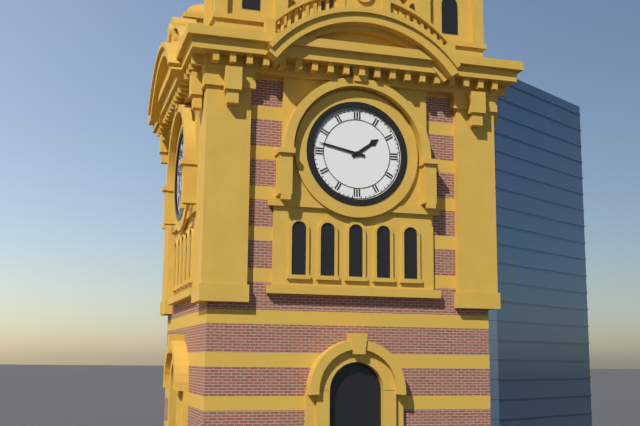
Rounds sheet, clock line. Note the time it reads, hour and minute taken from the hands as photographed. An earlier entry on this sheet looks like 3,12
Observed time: 1,47
